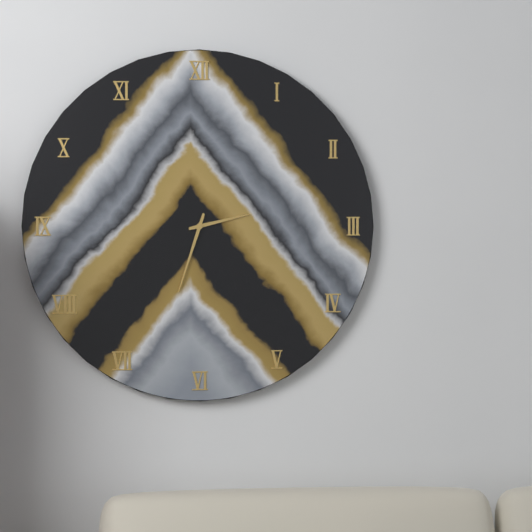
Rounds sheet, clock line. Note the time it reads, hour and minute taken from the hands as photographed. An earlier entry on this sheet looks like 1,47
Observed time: 2,33
